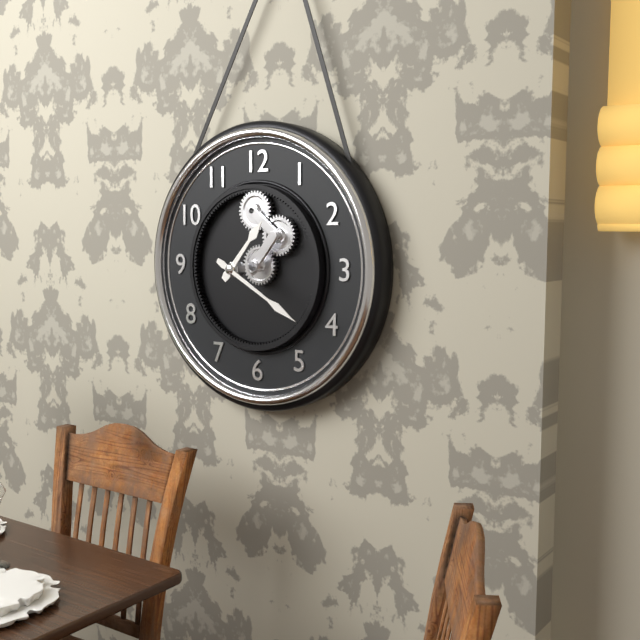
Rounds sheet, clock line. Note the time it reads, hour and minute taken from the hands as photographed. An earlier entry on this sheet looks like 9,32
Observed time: 1,20
